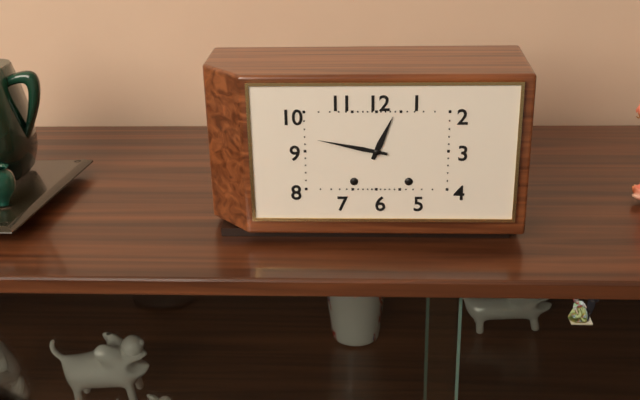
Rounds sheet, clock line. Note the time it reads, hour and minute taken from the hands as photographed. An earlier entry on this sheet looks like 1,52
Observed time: 12,47
